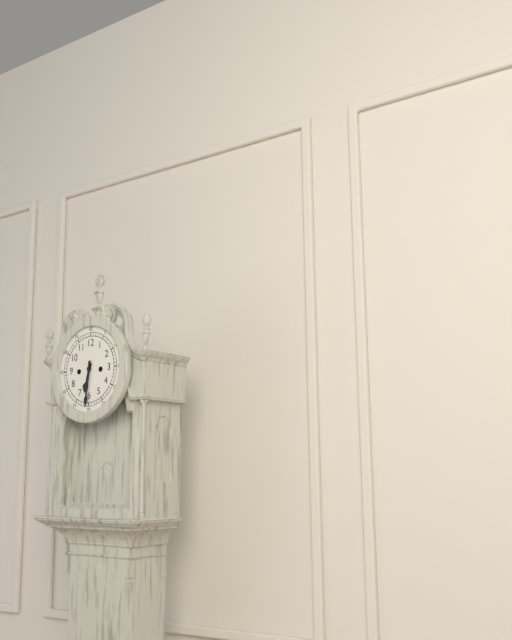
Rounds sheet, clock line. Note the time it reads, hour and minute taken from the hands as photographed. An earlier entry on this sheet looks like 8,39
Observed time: 6,31
